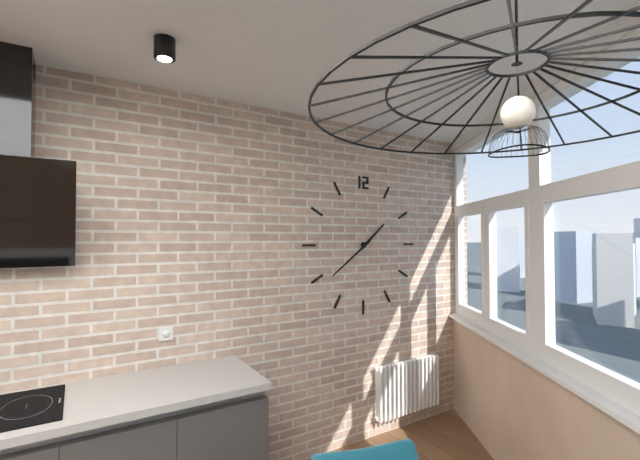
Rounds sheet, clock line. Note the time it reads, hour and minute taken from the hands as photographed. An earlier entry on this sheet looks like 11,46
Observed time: 1,39
